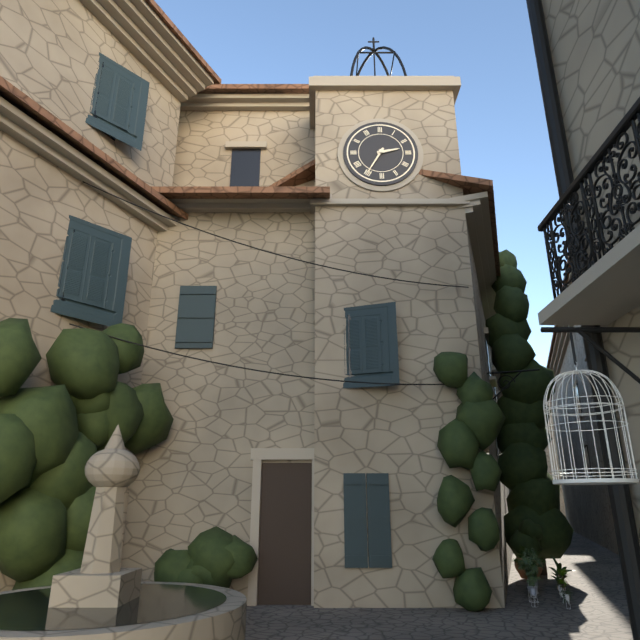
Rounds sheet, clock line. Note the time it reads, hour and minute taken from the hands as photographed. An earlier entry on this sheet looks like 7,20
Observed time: 2,35
